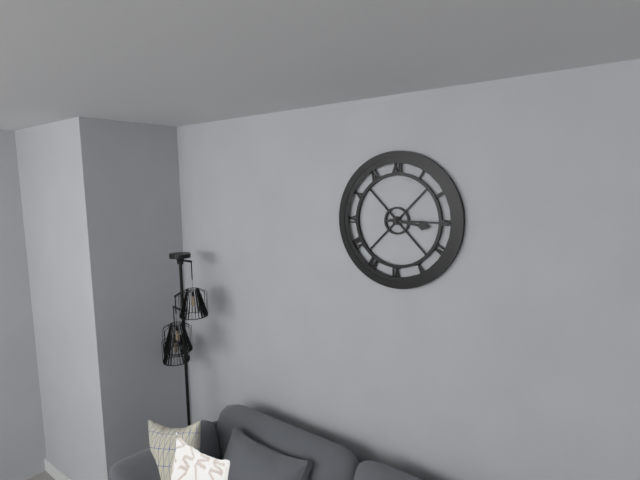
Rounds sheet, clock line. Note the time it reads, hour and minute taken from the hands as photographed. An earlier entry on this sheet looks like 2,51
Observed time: 3,15
